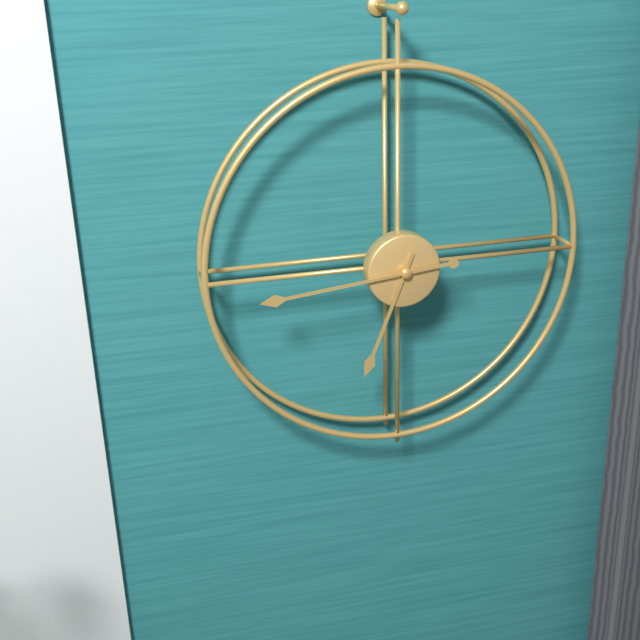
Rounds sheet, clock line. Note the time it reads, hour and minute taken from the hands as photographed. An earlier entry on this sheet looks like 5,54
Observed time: 6,44
